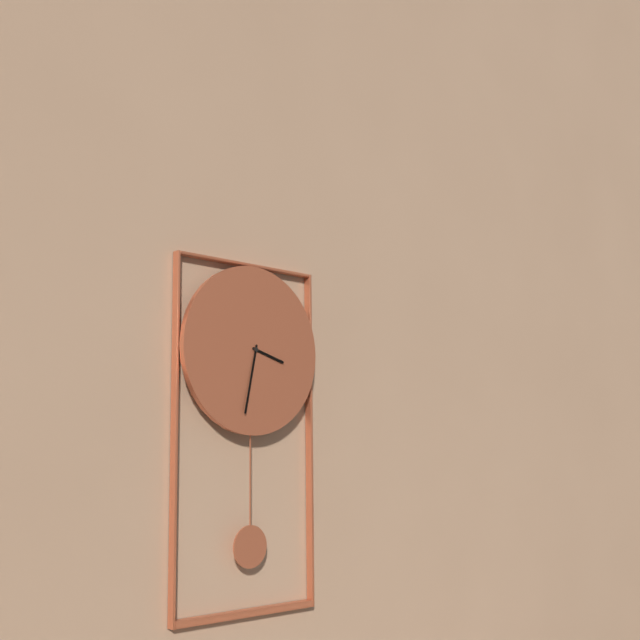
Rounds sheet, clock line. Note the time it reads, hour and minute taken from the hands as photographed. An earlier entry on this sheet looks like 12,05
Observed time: 3,32
